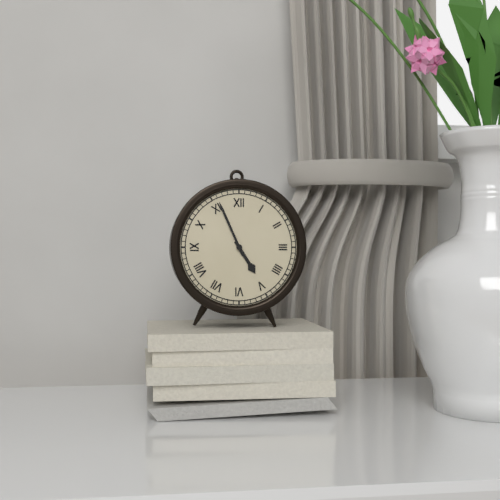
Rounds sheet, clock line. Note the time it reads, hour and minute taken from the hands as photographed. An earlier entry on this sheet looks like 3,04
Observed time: 4,56
